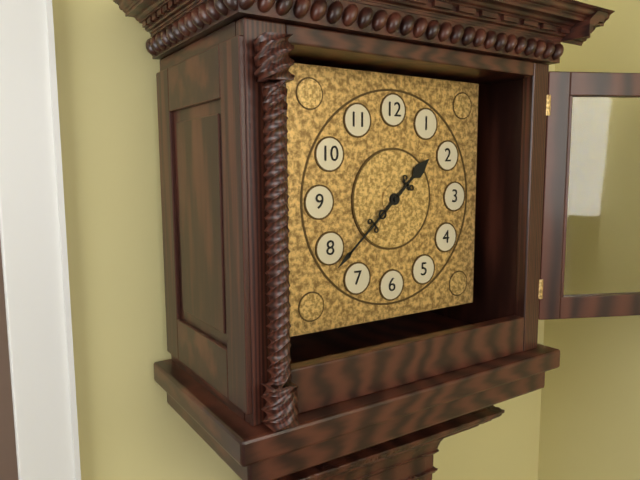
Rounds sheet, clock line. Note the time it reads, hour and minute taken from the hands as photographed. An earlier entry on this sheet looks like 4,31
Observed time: 1,38
